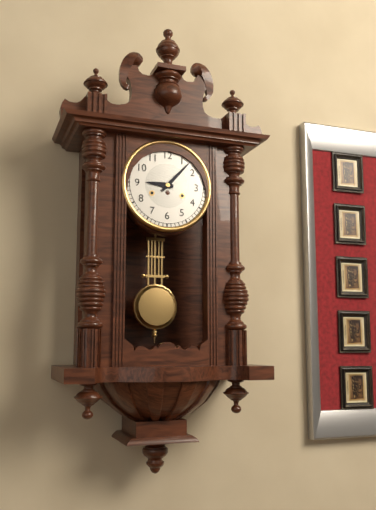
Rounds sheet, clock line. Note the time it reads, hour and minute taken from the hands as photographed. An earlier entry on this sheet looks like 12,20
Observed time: 9,07
